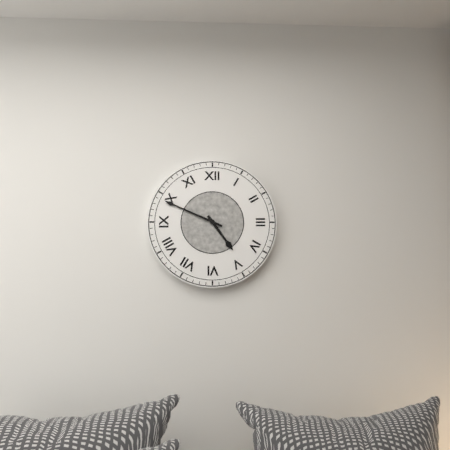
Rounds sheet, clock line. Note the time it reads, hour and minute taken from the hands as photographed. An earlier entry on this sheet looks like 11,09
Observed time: 4,49
